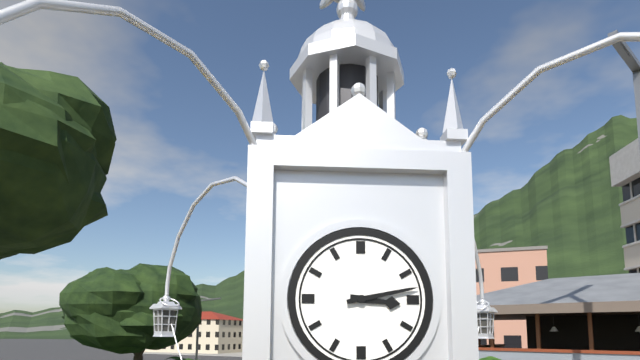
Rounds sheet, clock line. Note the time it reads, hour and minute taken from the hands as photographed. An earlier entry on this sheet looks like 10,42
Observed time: 3,13
